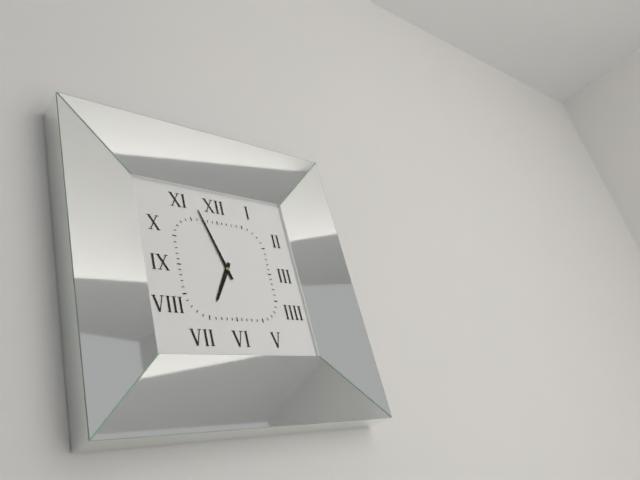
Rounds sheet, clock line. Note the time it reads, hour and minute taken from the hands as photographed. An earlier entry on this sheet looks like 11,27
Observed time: 6,57
